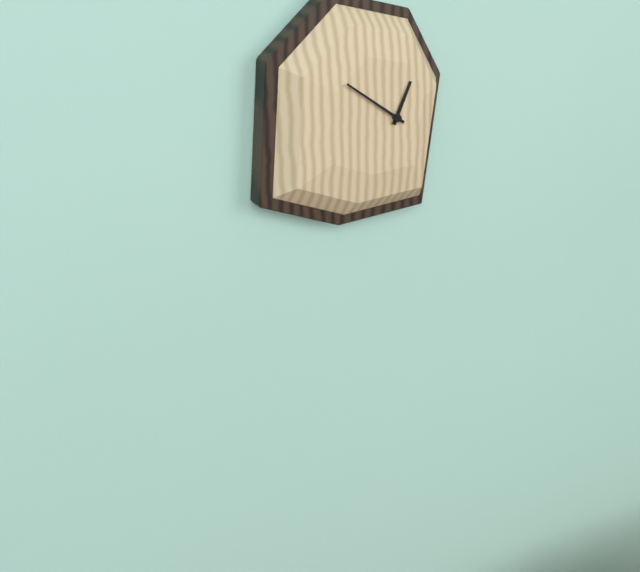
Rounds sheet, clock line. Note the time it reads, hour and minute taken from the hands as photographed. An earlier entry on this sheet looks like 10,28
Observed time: 12,51
